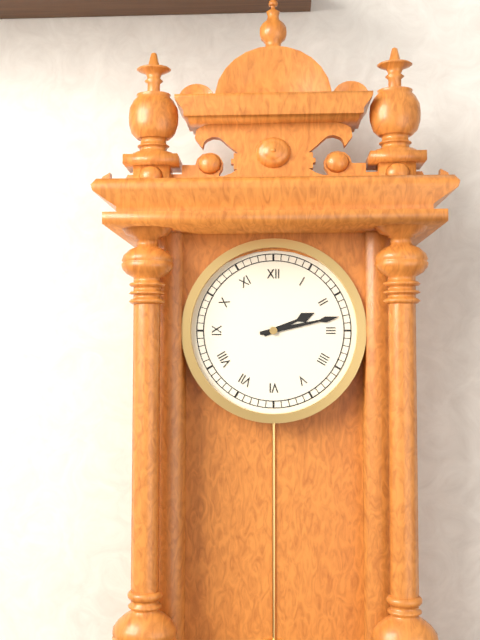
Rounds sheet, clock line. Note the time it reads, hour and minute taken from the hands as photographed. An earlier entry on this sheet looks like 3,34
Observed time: 2,13
